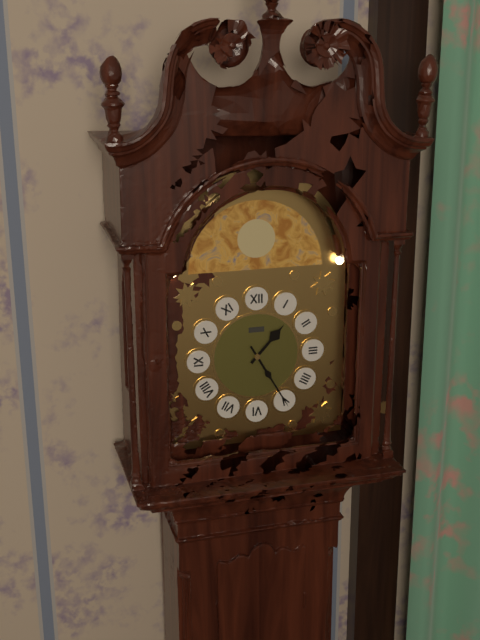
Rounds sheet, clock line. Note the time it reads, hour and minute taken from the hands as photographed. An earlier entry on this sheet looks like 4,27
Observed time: 1,25
